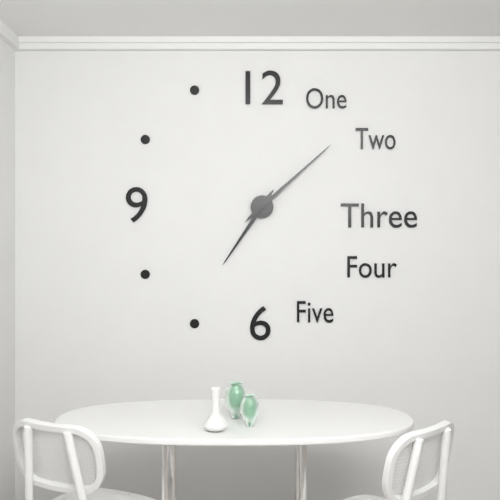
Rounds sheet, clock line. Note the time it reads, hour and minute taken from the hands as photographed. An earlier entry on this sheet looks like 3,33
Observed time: 7,08
